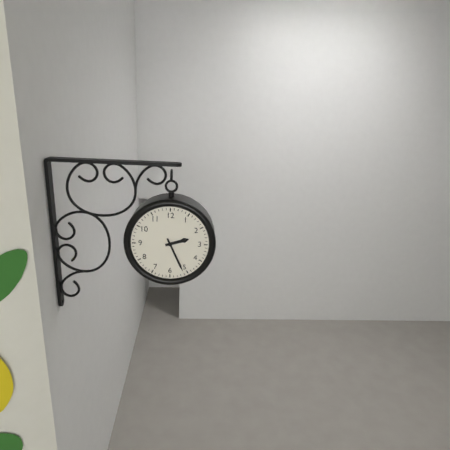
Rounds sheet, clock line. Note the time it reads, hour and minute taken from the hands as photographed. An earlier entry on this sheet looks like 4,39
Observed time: 2,26
